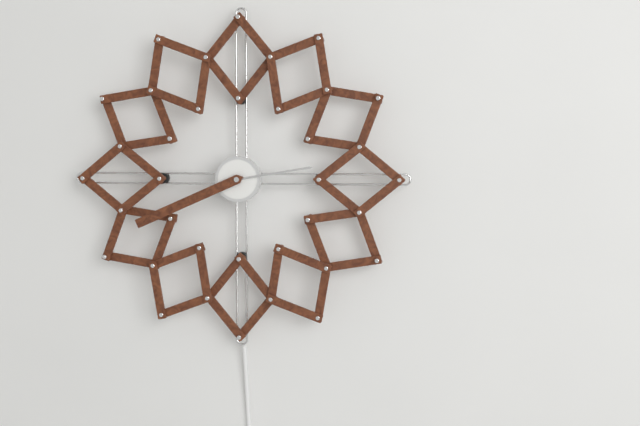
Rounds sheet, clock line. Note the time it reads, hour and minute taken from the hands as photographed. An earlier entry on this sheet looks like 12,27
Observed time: 2,41
